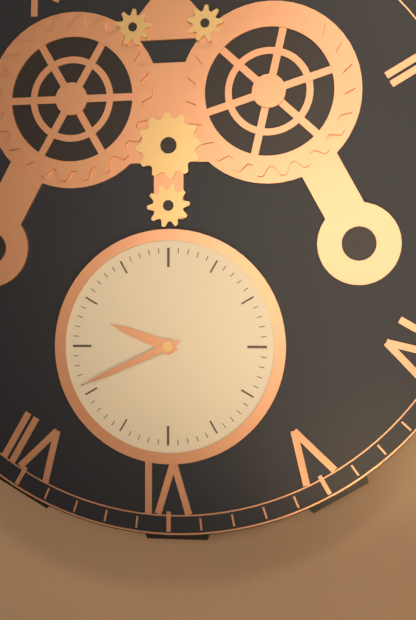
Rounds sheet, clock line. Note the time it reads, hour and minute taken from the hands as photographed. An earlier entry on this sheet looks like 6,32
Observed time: 9,41
